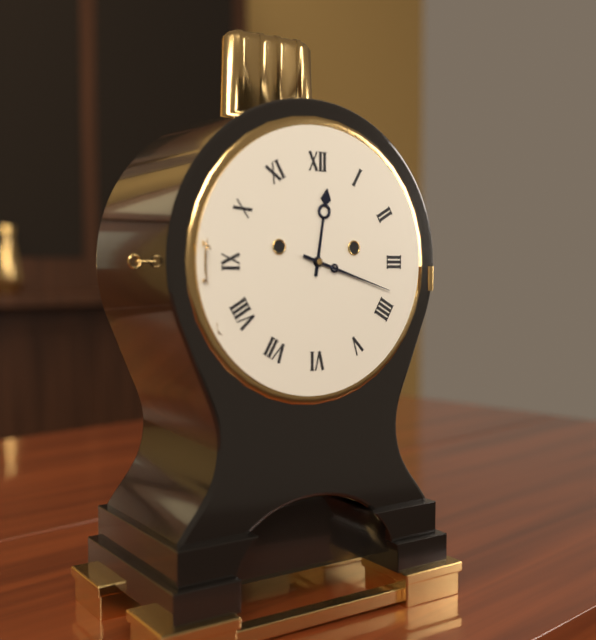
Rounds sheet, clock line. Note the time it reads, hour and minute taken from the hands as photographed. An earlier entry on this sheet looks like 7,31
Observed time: 12,18
